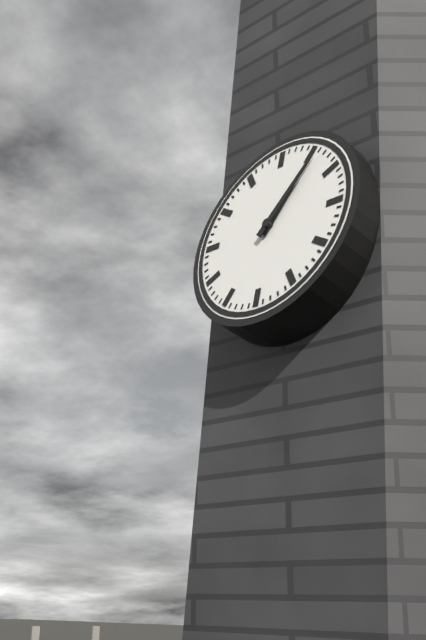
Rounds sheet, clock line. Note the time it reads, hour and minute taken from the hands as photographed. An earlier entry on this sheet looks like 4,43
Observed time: 1,06
